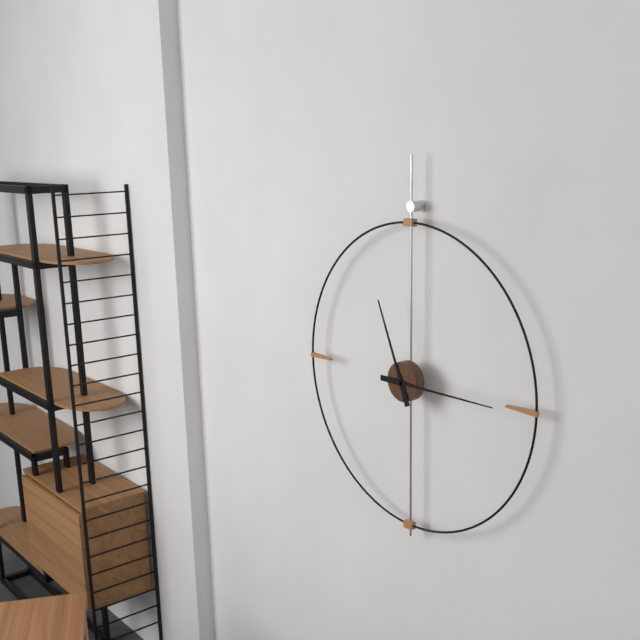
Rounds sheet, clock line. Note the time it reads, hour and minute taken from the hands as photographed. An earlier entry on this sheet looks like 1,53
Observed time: 11,15
